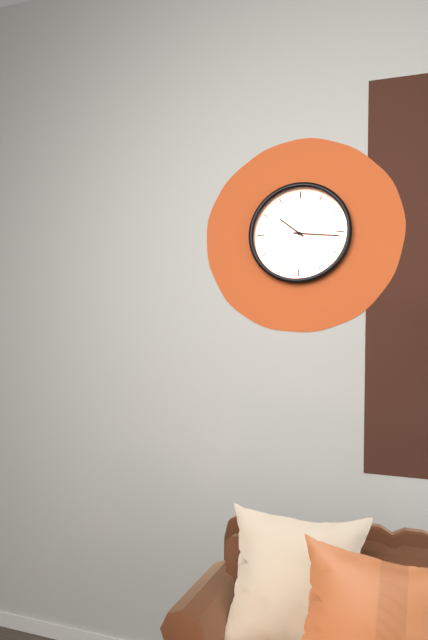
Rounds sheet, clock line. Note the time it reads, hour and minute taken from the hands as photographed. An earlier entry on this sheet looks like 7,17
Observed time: 10,16
